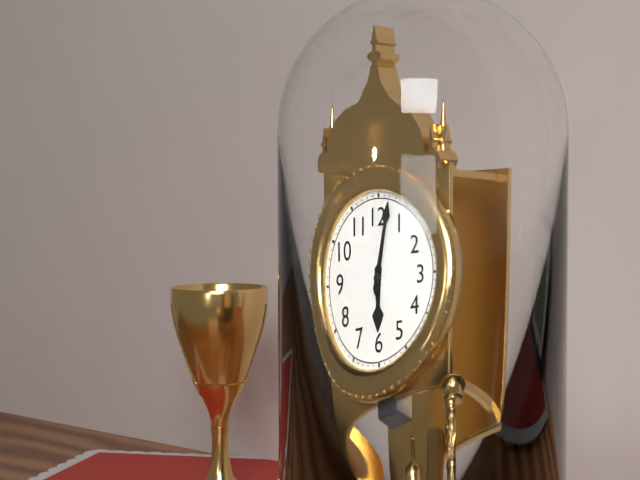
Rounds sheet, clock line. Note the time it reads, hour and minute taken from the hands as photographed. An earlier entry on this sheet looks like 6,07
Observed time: 6,02
